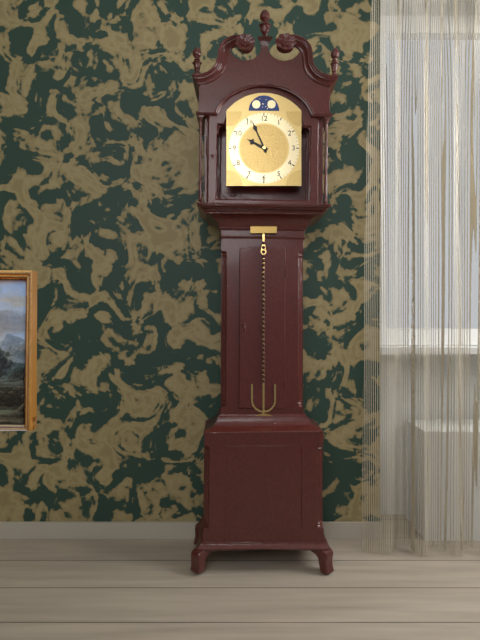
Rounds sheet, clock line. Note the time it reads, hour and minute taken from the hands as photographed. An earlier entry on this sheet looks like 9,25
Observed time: 9,56
